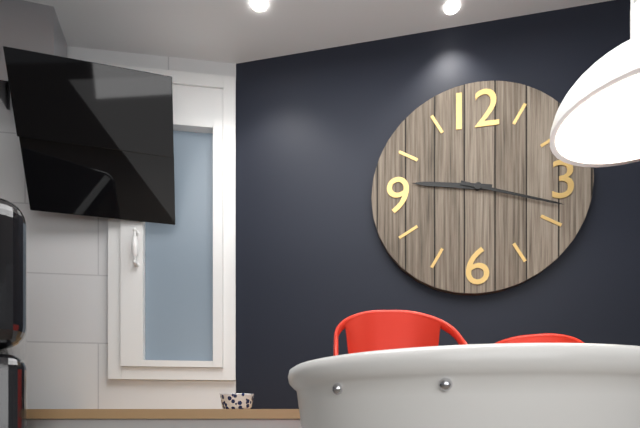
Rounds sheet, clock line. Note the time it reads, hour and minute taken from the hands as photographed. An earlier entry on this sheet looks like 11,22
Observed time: 9,18
